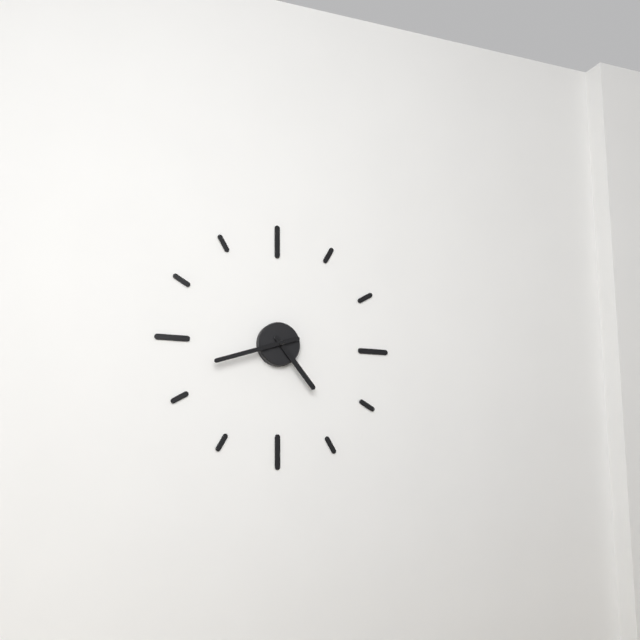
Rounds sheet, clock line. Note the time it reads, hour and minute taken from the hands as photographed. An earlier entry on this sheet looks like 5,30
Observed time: 4,42
